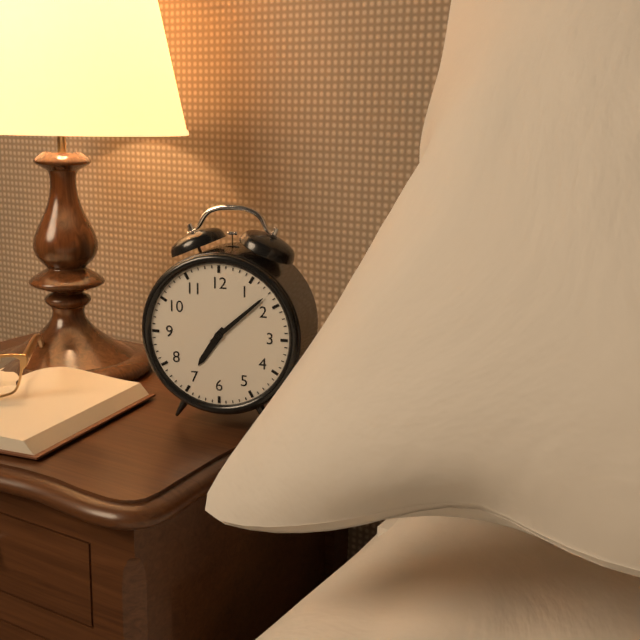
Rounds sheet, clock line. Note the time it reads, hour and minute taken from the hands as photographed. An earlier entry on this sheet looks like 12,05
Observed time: 7,08
